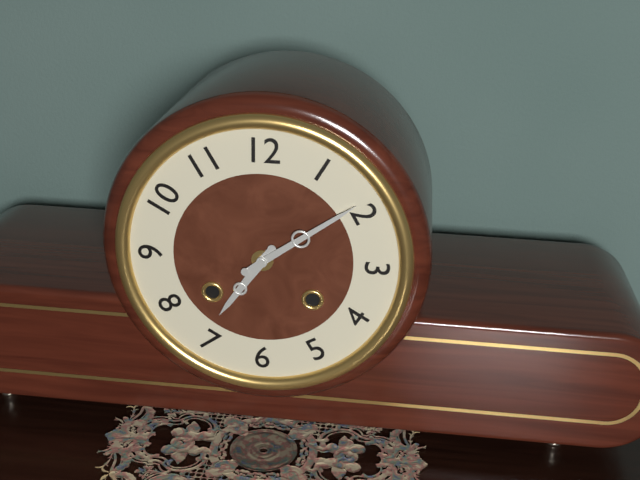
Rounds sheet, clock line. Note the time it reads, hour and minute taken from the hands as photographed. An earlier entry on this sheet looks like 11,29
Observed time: 7,09
